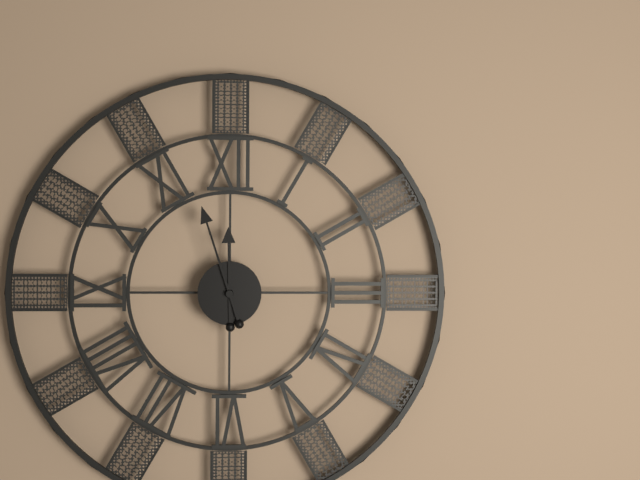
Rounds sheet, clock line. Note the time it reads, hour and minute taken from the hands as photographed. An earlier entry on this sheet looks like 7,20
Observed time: 11,57
